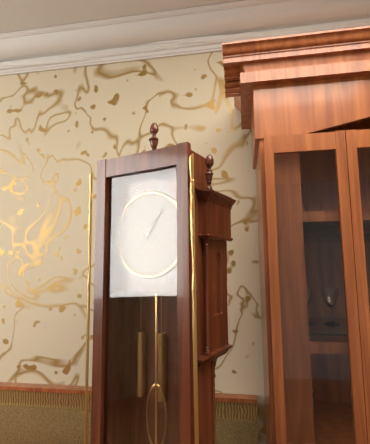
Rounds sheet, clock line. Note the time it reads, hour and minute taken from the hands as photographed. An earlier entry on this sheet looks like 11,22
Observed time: 1,06
